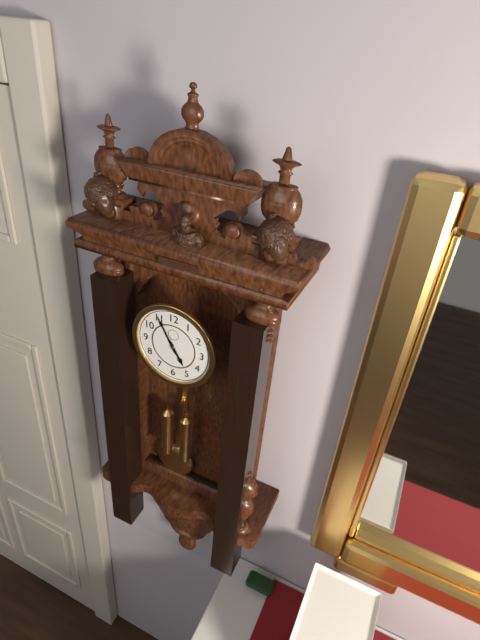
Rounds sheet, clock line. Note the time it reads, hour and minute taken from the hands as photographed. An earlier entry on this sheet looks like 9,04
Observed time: 4,55
